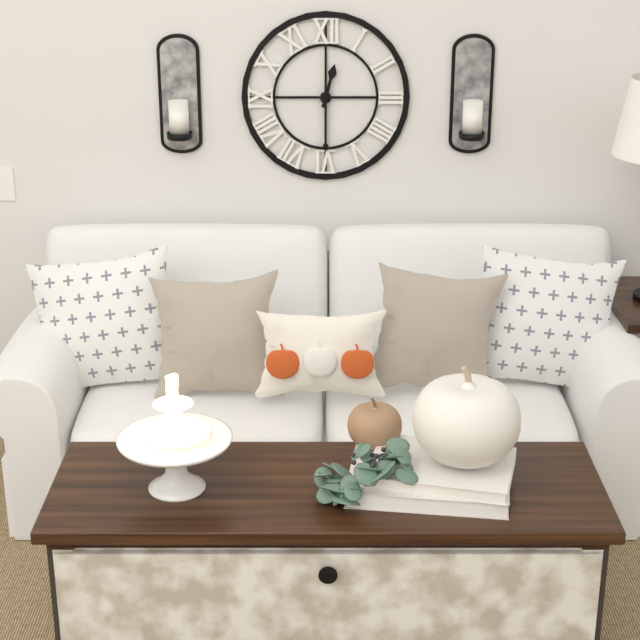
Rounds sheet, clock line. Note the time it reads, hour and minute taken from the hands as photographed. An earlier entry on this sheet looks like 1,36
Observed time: 12,30
